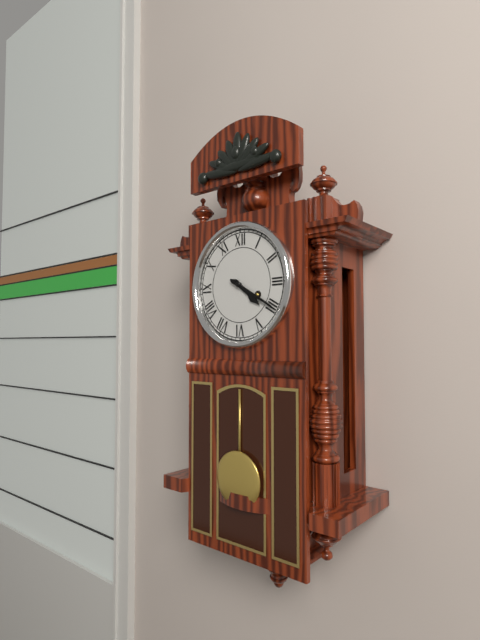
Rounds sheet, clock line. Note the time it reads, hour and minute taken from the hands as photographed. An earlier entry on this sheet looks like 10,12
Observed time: 4,20
